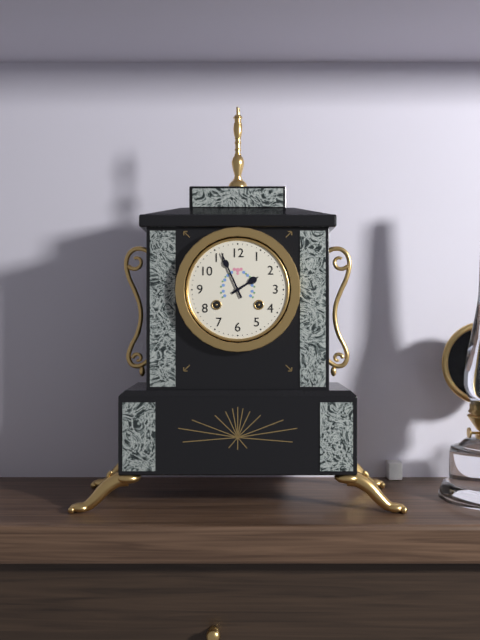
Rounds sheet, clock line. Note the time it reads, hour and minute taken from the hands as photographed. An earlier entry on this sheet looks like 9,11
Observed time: 1,56
